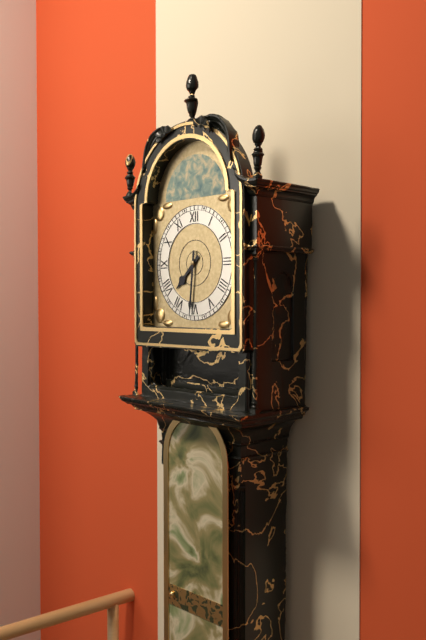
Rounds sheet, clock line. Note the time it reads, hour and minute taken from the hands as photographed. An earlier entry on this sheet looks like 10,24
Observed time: 7,31
